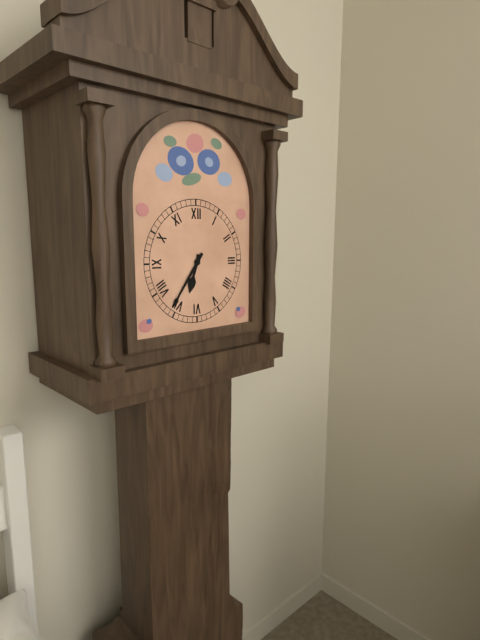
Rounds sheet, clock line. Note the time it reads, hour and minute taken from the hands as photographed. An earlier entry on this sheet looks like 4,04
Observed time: 6,36
